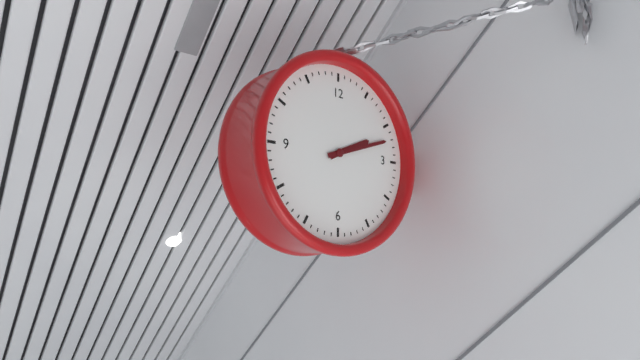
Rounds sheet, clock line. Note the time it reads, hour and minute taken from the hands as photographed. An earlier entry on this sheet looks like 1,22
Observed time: 2,12
